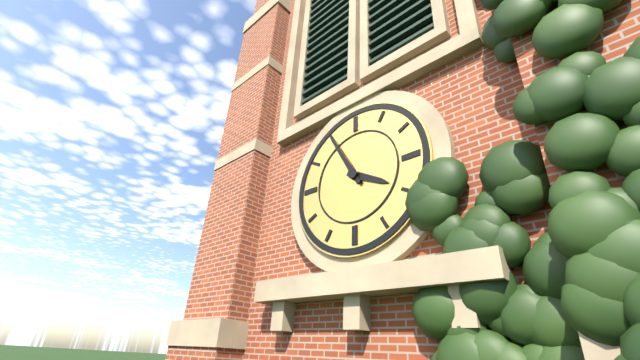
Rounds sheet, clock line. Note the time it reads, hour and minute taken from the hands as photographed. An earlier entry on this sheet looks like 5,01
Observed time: 3,55
